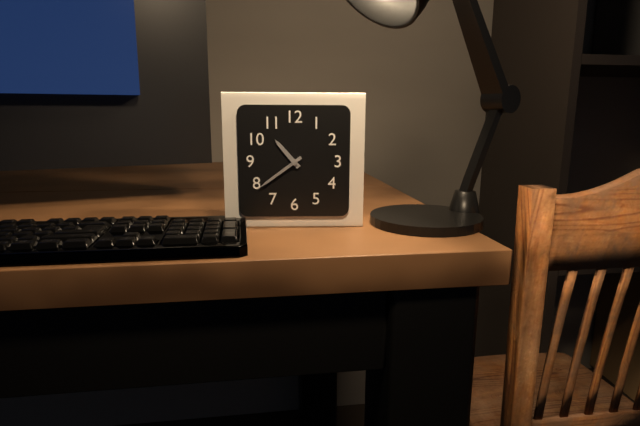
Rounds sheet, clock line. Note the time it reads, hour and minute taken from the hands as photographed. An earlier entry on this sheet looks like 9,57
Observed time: 10,39
